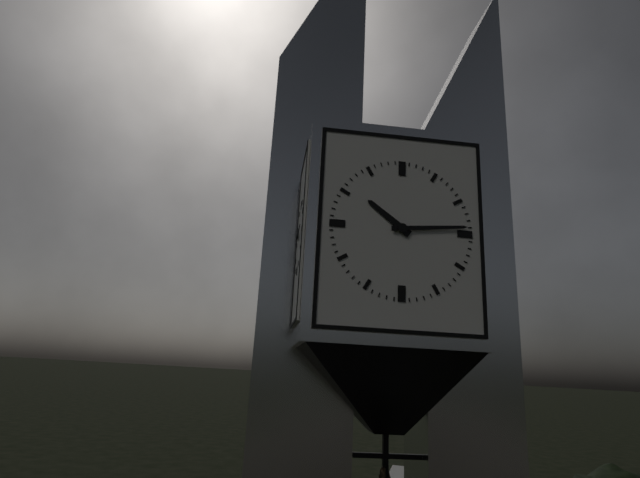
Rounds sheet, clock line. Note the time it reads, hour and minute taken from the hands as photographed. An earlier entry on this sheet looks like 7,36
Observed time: 10,14
